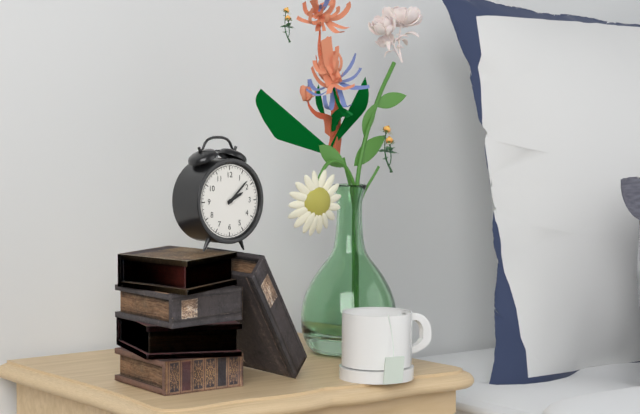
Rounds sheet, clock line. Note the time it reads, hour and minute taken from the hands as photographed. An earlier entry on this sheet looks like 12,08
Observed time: 2,08
